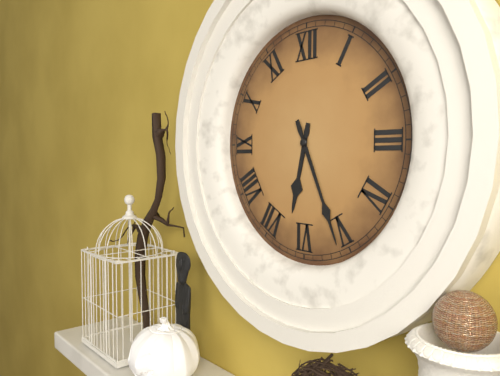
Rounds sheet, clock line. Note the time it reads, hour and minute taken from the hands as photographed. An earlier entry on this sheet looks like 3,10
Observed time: 6,26
